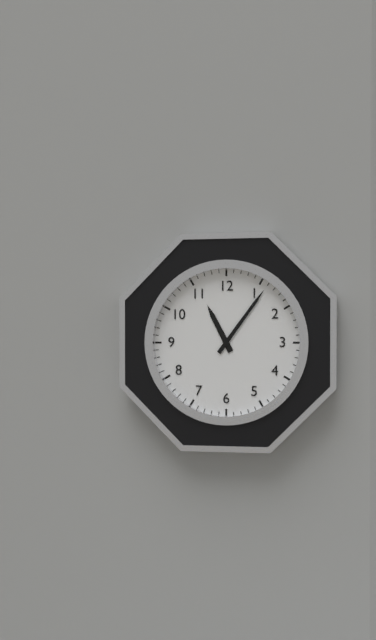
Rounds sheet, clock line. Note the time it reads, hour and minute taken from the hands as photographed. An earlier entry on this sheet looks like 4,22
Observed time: 11,06
